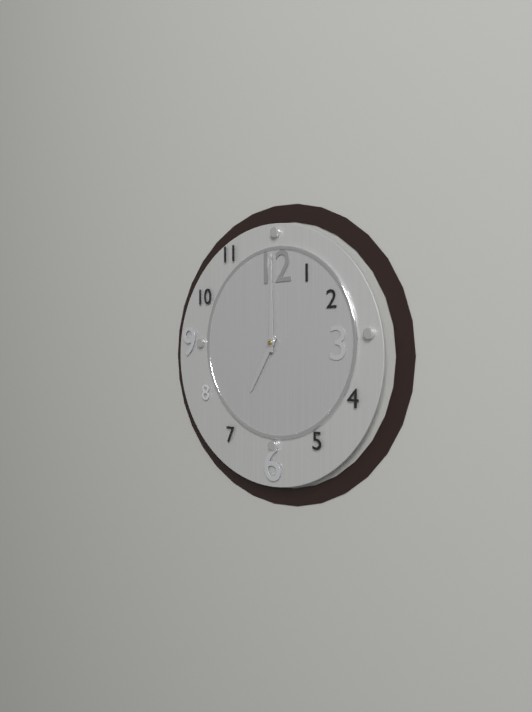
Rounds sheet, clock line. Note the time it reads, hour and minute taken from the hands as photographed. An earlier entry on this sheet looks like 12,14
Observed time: 7,00
